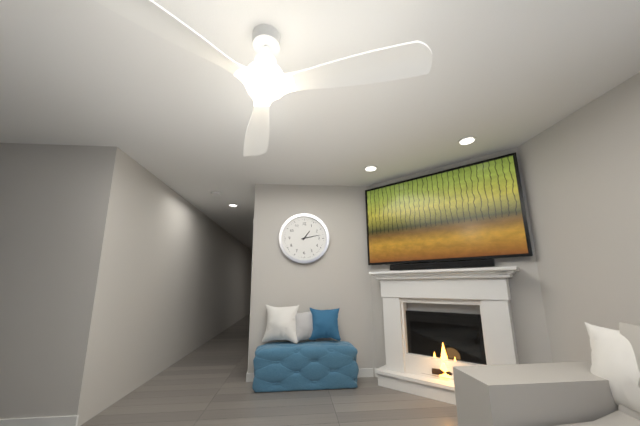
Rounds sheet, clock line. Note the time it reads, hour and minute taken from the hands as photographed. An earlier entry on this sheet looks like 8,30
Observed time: 1,13
